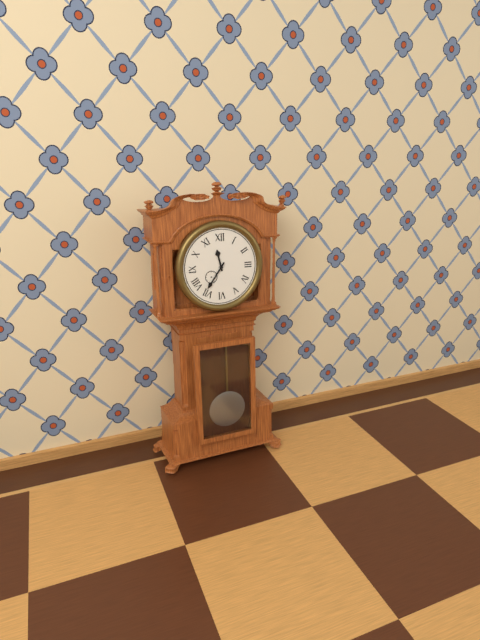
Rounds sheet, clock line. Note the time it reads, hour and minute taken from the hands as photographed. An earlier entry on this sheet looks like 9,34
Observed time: 11,36
